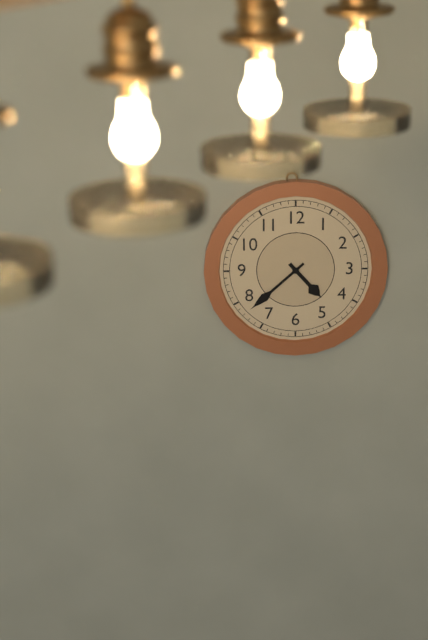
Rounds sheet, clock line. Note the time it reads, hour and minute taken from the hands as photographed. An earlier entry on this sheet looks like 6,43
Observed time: 4,38
